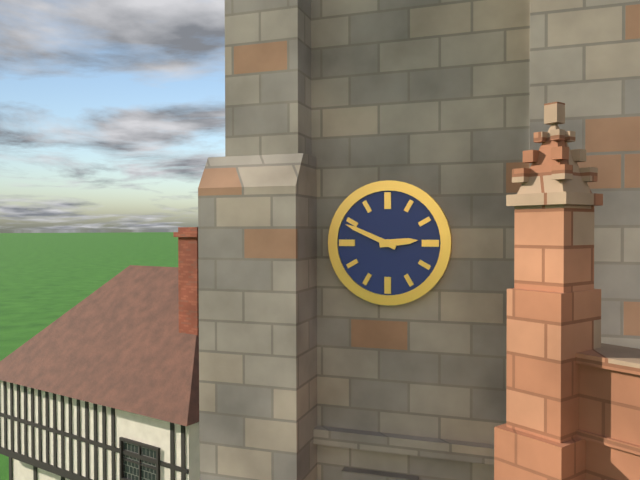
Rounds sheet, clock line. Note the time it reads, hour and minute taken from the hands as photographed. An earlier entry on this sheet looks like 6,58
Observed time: 2,49
